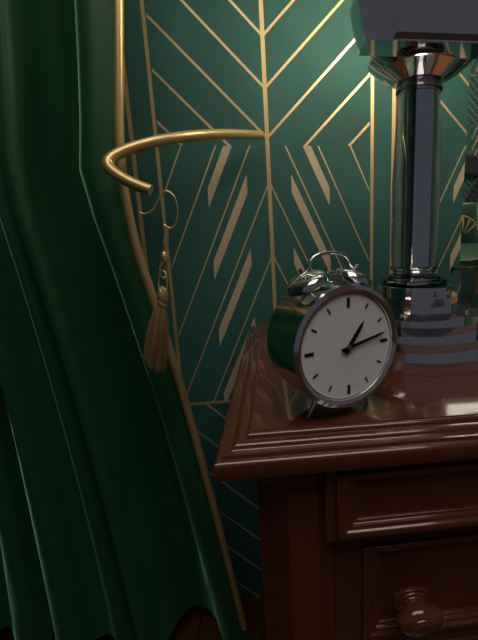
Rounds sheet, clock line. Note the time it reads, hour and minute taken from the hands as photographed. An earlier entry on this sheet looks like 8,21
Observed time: 1,13
